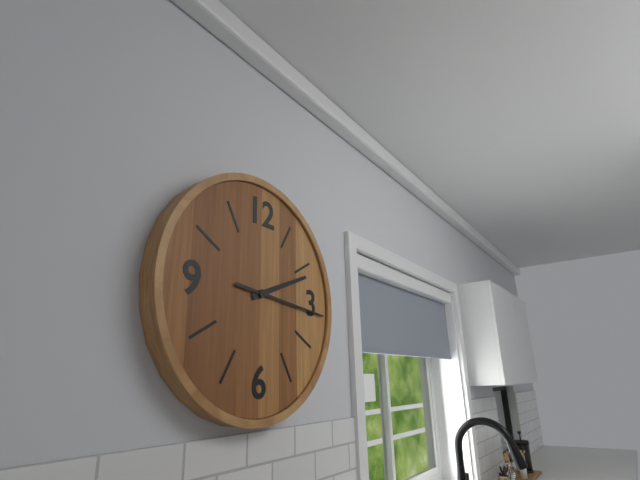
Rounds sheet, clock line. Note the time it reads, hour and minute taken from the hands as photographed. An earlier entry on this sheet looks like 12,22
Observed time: 2,16
